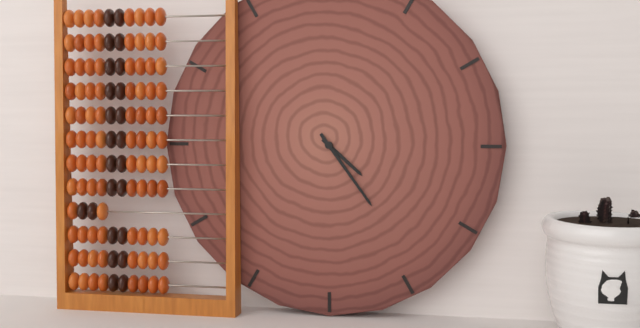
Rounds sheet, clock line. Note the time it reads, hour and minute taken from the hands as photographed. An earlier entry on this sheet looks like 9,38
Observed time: 4,24
